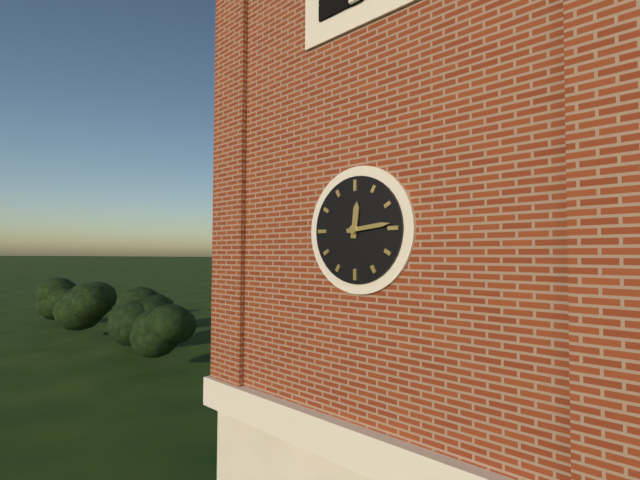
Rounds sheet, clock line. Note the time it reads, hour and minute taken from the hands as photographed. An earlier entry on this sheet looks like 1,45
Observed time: 12,14
